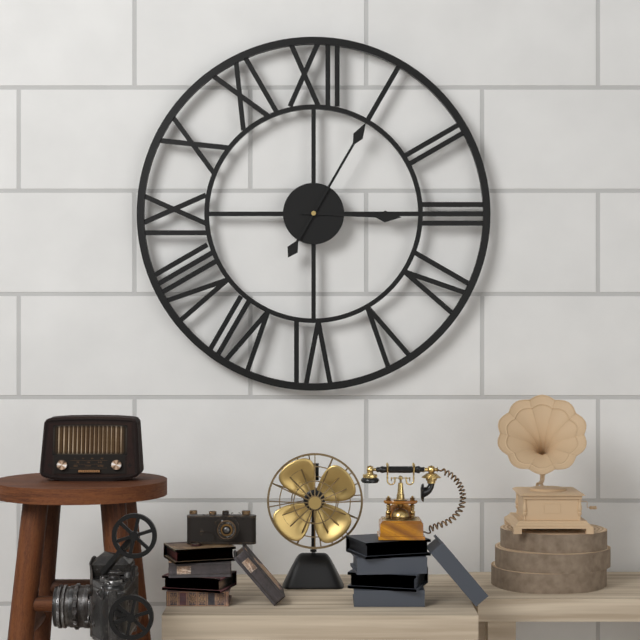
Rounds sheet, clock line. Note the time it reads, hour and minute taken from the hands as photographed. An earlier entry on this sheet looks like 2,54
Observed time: 3,05
